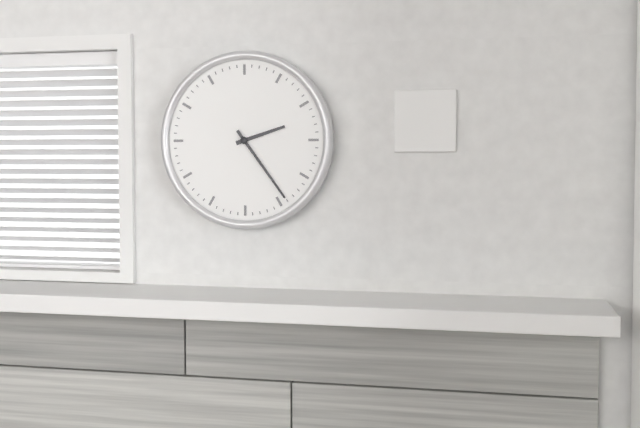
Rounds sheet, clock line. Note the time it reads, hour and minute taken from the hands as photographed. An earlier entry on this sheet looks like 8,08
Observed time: 2,24
